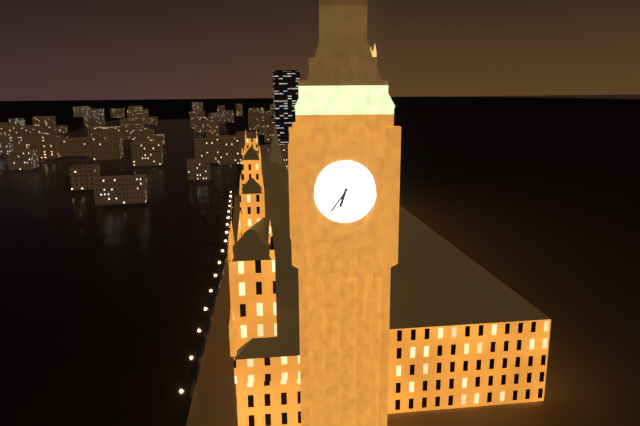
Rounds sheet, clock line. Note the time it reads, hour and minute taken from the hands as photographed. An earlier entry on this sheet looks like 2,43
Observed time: 6,36
